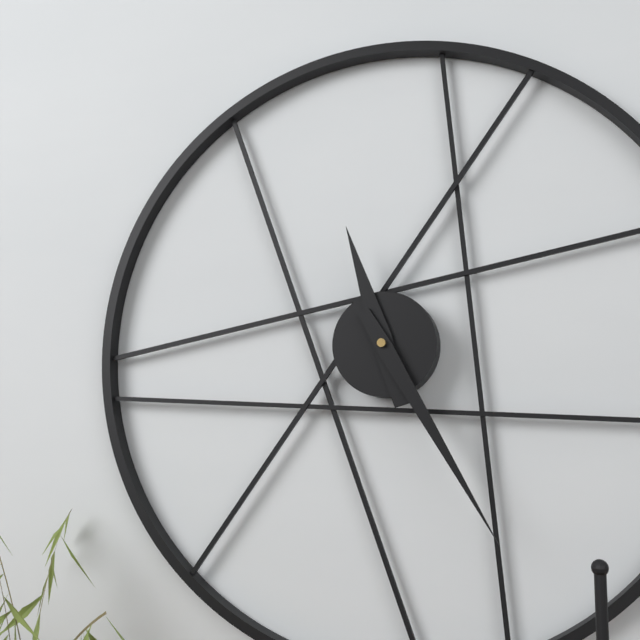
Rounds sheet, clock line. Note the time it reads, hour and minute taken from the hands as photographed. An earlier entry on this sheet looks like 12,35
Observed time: 11,25
